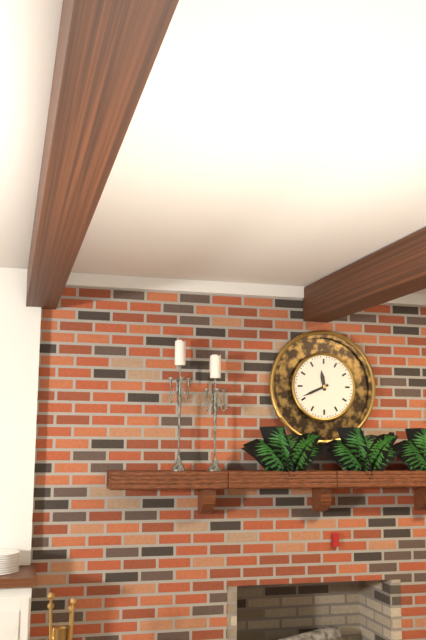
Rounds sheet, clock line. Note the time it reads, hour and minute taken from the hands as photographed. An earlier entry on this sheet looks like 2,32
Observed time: 11,41
